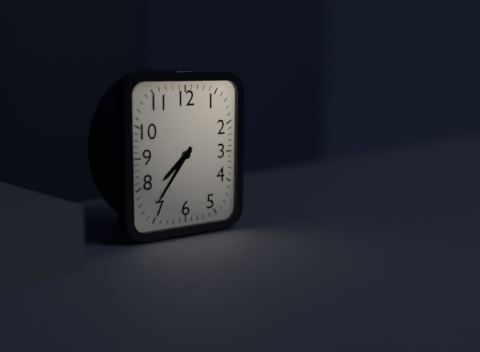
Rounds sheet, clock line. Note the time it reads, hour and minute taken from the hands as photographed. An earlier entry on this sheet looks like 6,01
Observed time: 7,36
